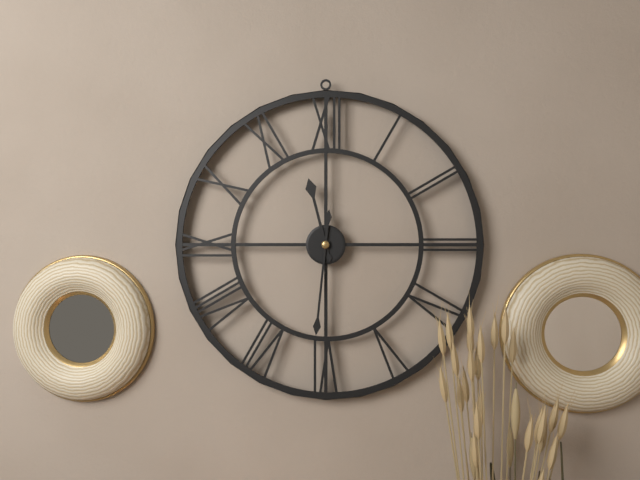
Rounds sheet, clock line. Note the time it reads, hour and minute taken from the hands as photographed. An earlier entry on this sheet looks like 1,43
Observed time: 11,31
